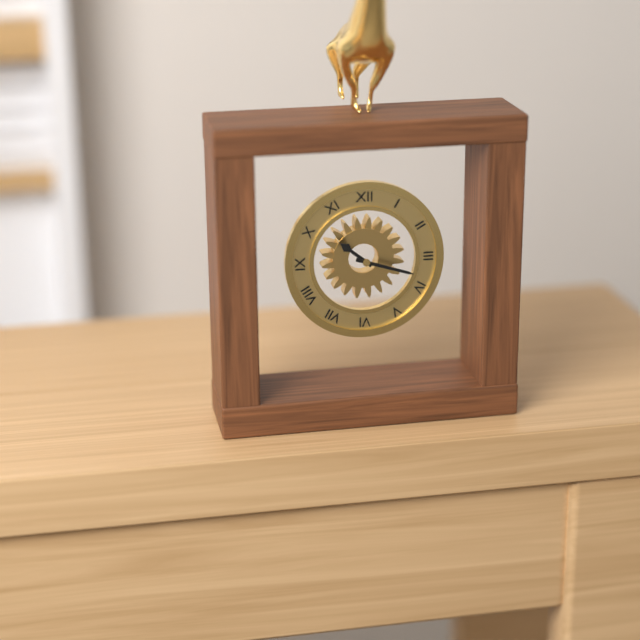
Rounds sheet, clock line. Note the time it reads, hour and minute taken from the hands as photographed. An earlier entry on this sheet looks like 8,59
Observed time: 10,18
